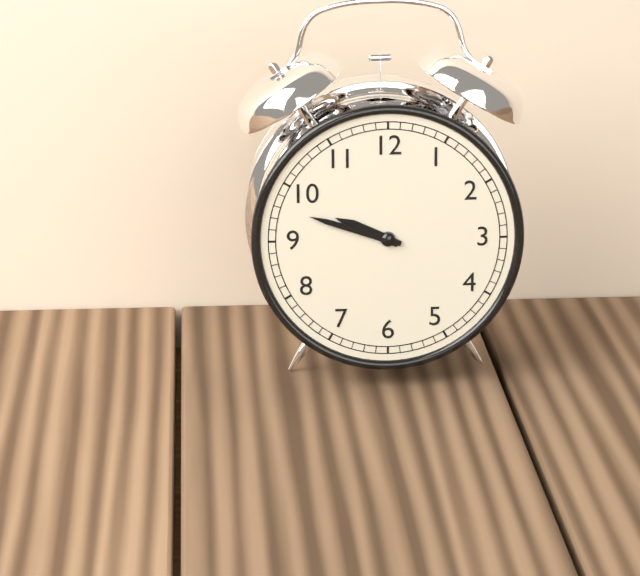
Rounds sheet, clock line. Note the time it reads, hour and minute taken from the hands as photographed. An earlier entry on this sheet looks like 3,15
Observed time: 9,48
